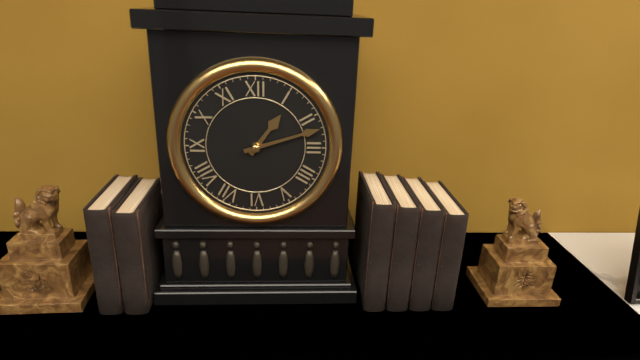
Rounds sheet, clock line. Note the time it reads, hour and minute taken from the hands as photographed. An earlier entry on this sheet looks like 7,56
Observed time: 1,12
